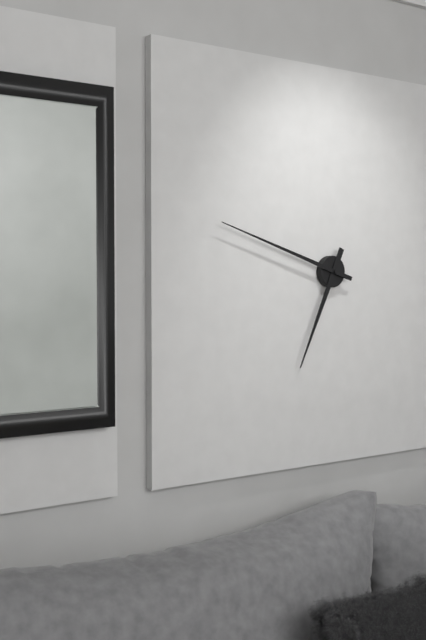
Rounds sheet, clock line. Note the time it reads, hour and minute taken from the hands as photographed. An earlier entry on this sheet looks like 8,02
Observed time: 6,48
